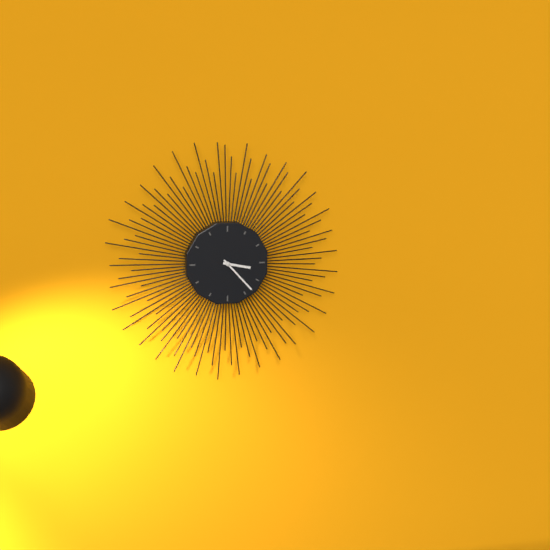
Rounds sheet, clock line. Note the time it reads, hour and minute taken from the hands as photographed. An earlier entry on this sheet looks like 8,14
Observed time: 3,23
